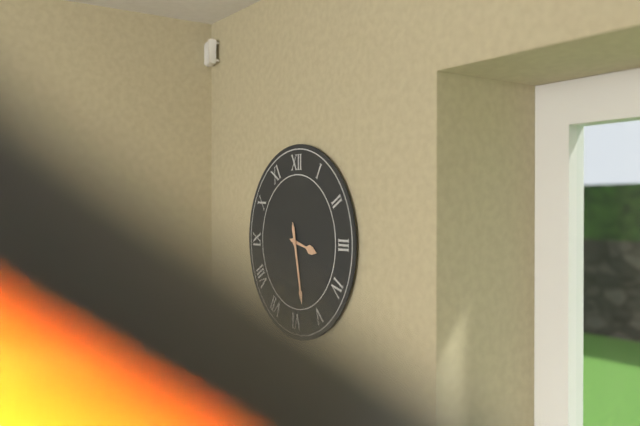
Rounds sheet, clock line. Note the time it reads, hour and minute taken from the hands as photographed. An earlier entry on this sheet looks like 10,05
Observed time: 3,28
